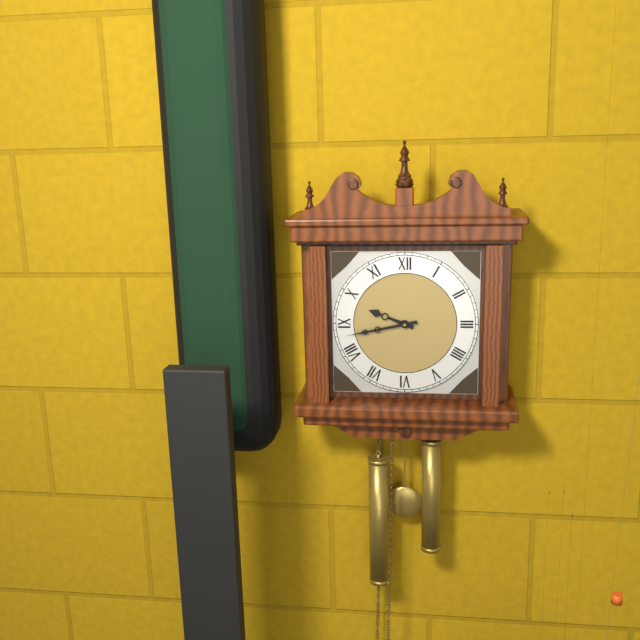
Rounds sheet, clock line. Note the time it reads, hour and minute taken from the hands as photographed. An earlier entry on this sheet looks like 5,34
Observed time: 9,43
